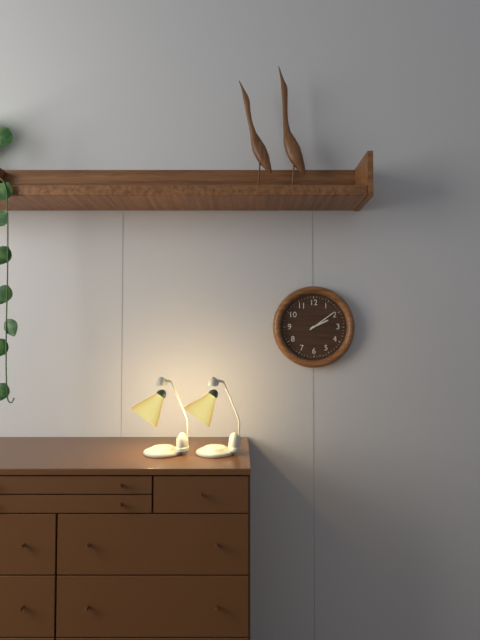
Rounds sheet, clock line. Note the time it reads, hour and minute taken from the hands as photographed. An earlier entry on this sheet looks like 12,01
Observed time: 2,09
